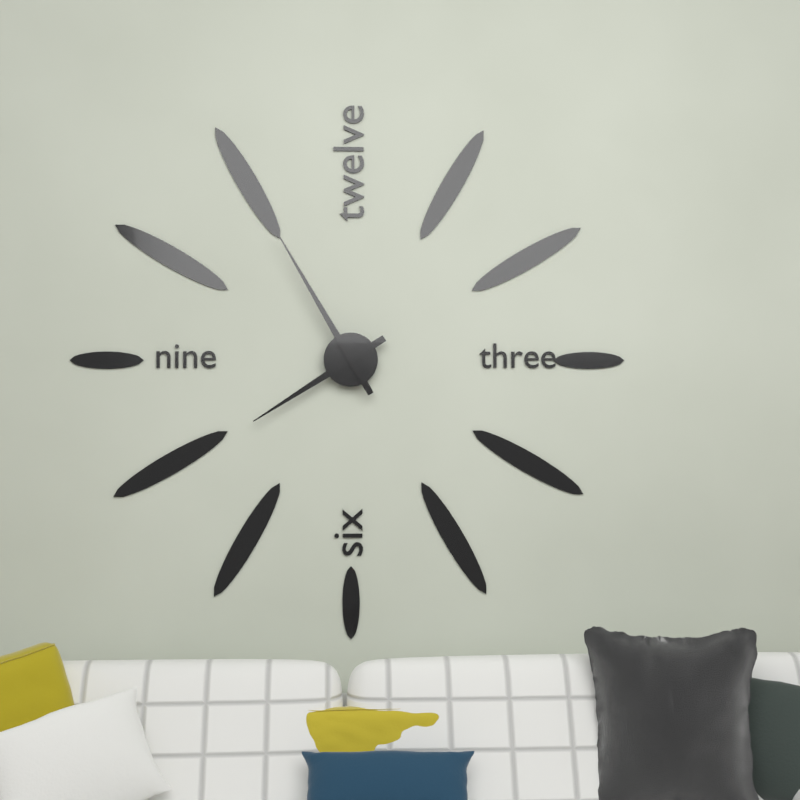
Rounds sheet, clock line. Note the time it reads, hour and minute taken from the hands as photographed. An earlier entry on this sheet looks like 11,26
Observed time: 7,55
